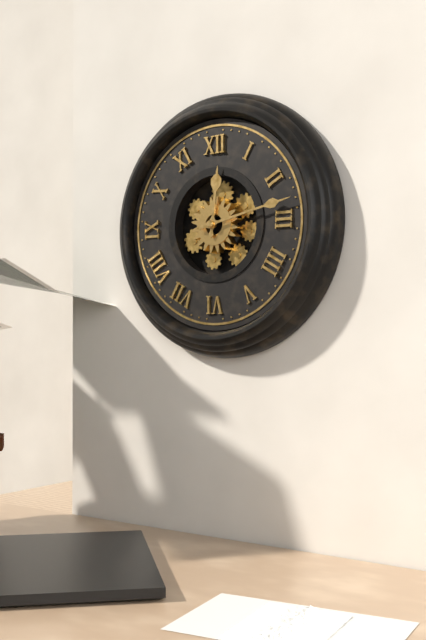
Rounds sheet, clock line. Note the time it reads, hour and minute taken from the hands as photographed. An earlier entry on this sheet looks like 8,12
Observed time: 12,13
